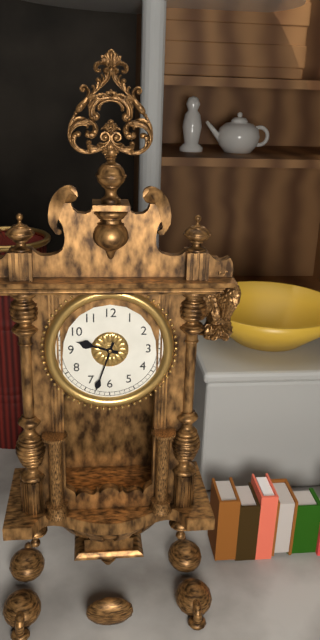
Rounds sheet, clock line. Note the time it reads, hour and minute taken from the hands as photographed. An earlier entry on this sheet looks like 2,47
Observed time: 9,33
